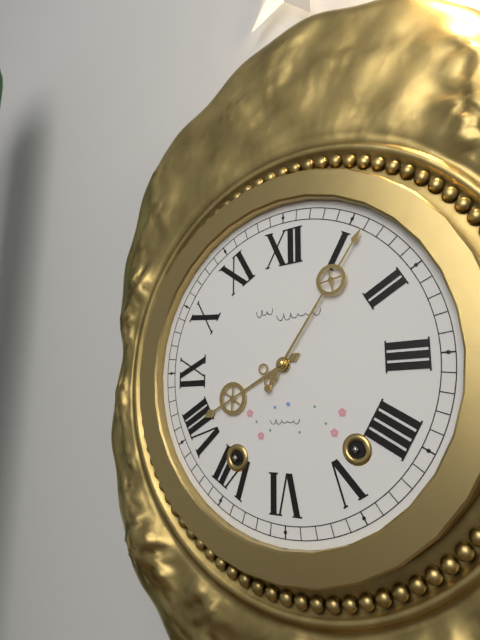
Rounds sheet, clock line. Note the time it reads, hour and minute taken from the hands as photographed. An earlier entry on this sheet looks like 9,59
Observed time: 8,06
